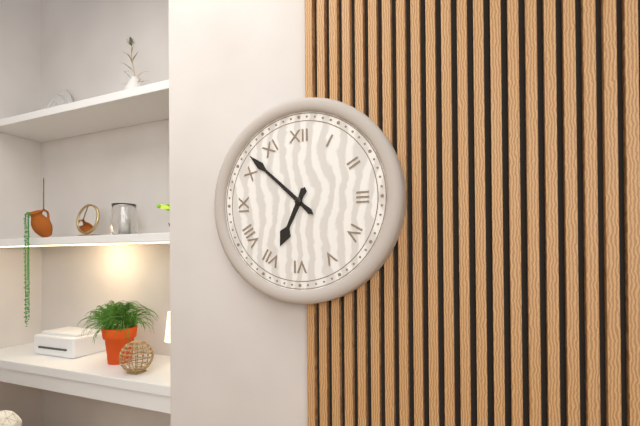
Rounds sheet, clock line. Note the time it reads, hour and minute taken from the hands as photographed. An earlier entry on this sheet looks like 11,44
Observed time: 6,52
